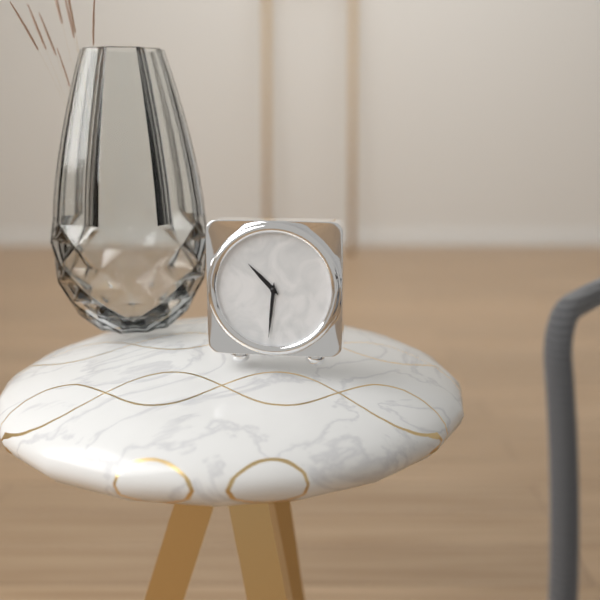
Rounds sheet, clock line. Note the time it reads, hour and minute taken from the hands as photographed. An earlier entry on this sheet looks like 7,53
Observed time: 10,31
